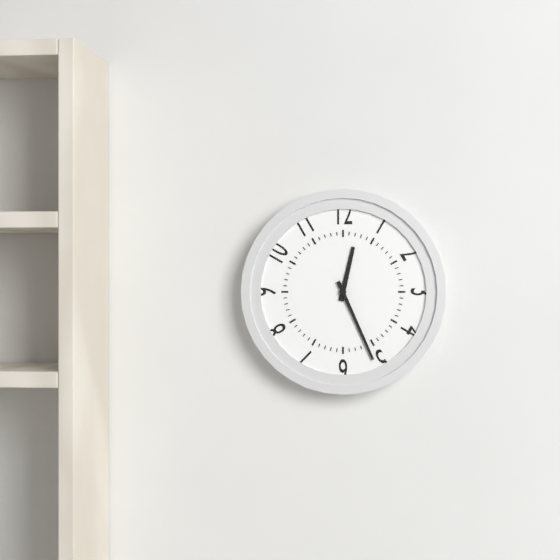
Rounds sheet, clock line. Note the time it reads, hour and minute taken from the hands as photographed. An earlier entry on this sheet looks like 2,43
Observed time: 12,26
